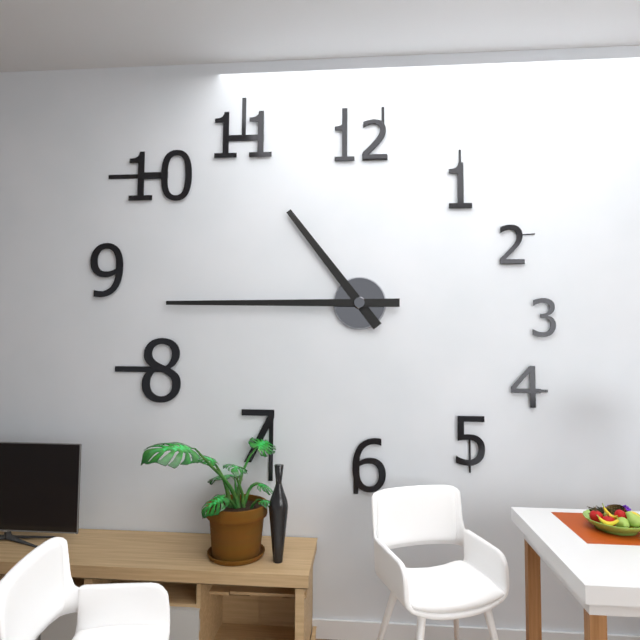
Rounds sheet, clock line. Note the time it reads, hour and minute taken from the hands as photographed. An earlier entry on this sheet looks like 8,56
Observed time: 10,45
